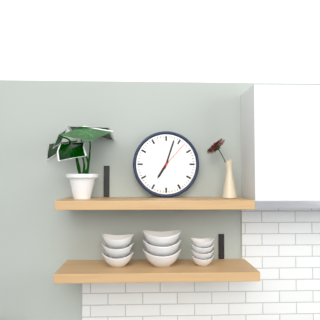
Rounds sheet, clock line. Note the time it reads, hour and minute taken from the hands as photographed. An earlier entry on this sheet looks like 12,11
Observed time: 7,03
